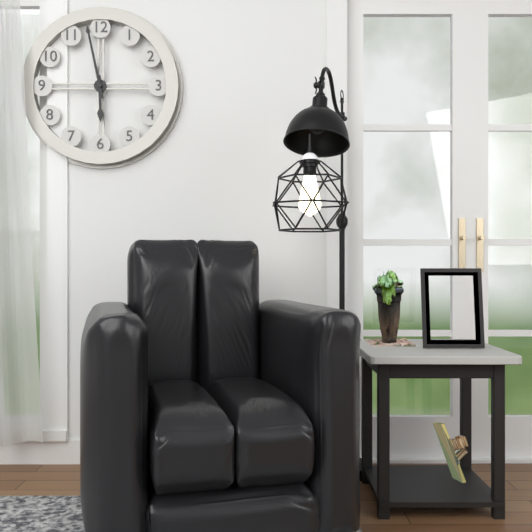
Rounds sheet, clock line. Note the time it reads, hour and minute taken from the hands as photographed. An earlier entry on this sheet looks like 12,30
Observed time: 5,58
